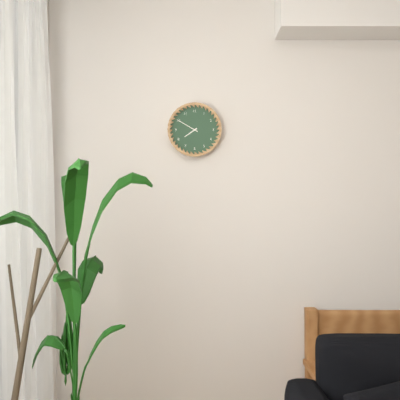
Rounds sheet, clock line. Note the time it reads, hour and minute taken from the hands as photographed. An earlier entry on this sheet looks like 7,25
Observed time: 7,50
